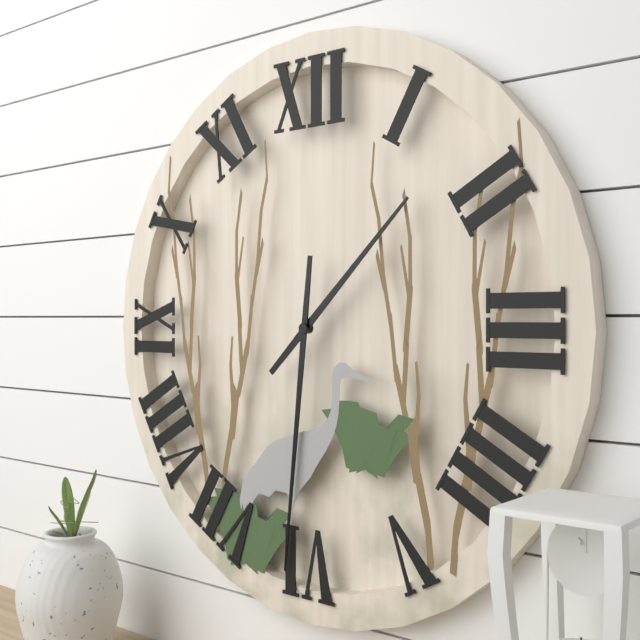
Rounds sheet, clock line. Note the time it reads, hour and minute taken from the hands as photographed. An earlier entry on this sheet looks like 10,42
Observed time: 1,31
